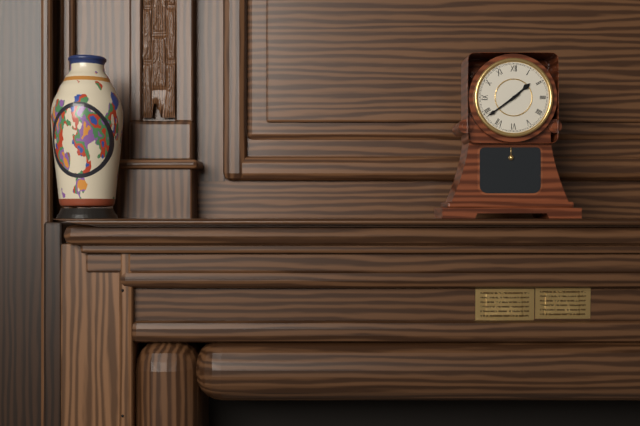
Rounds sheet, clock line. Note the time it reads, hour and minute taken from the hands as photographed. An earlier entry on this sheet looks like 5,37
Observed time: 1,39
